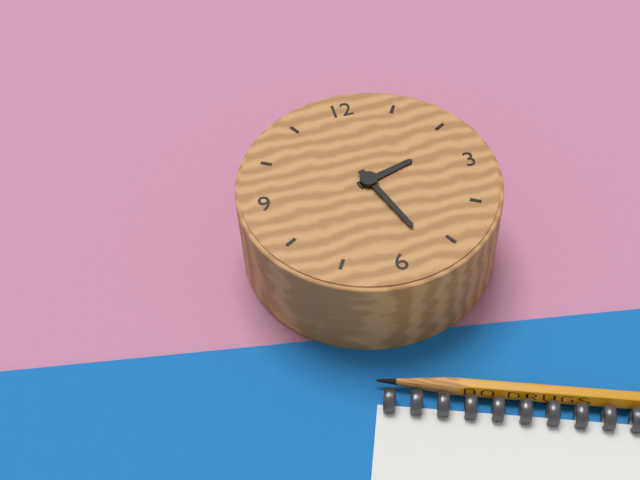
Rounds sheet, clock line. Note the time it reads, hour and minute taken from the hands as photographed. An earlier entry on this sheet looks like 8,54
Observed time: 2,27
